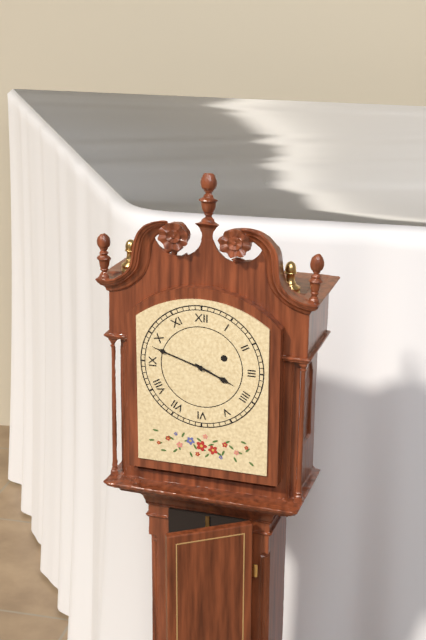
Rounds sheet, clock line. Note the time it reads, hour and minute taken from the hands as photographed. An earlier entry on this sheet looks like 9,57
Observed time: 3,48
